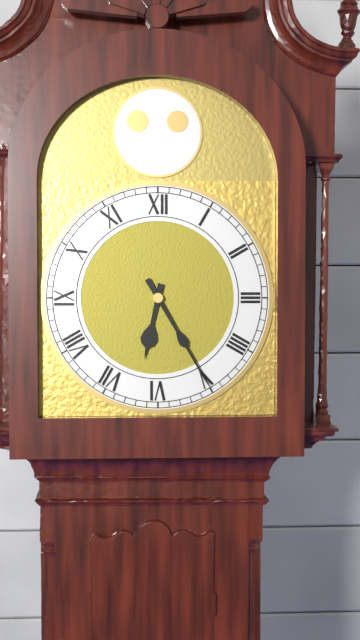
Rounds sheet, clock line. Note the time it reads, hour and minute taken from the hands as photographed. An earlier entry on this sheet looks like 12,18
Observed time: 6,25
